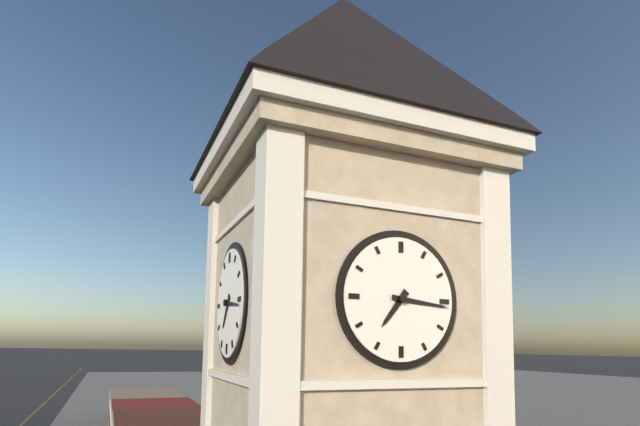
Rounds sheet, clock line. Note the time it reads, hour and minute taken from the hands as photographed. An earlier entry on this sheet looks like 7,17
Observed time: 7,16
